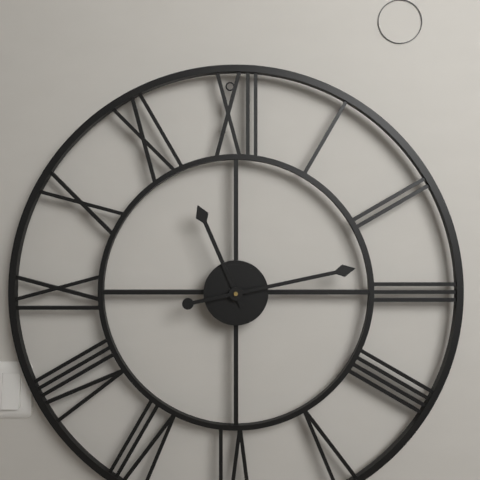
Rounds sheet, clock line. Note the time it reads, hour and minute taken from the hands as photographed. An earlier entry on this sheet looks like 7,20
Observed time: 11,13
